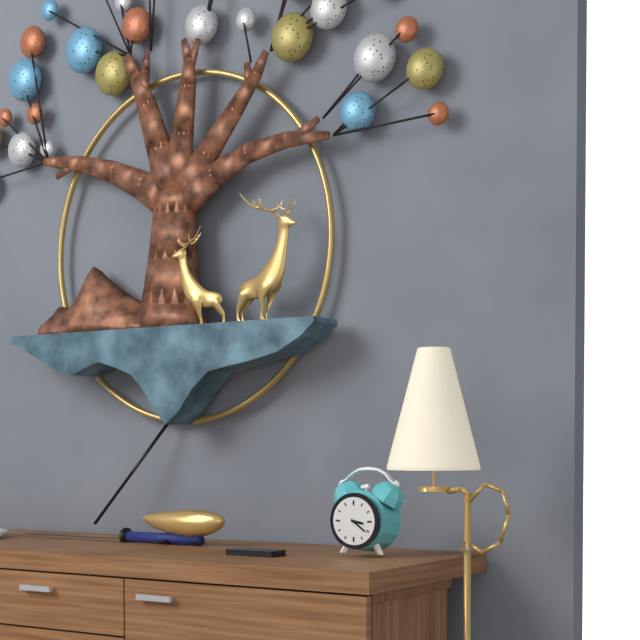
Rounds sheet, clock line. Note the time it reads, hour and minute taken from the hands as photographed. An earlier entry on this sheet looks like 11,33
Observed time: 3,21
